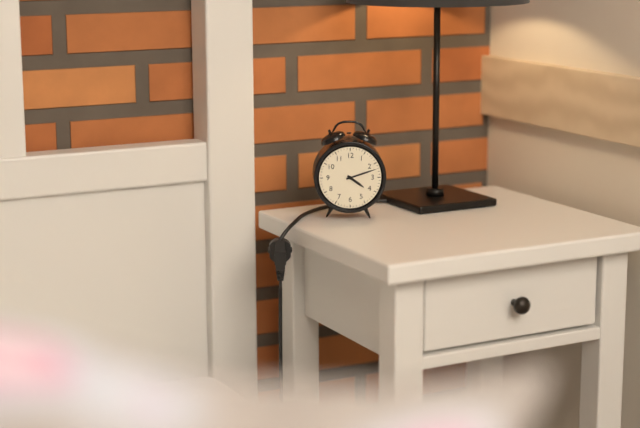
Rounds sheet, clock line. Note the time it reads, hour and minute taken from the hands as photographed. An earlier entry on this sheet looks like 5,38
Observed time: 4,12
